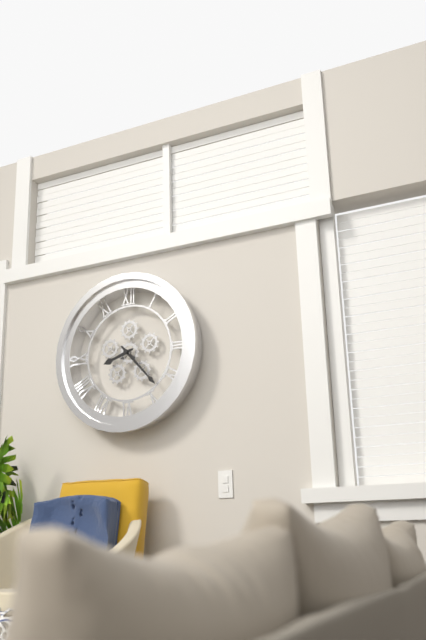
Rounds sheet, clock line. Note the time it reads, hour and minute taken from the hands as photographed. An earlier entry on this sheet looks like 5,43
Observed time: 8,23
